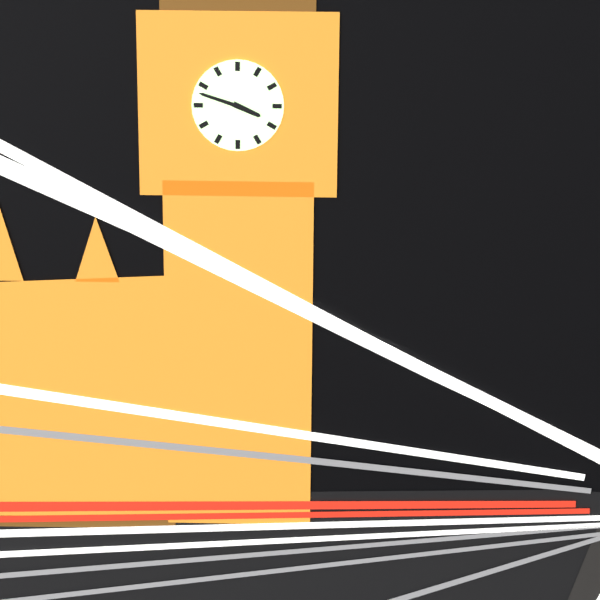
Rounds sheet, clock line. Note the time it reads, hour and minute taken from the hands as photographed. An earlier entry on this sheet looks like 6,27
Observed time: 3,48
